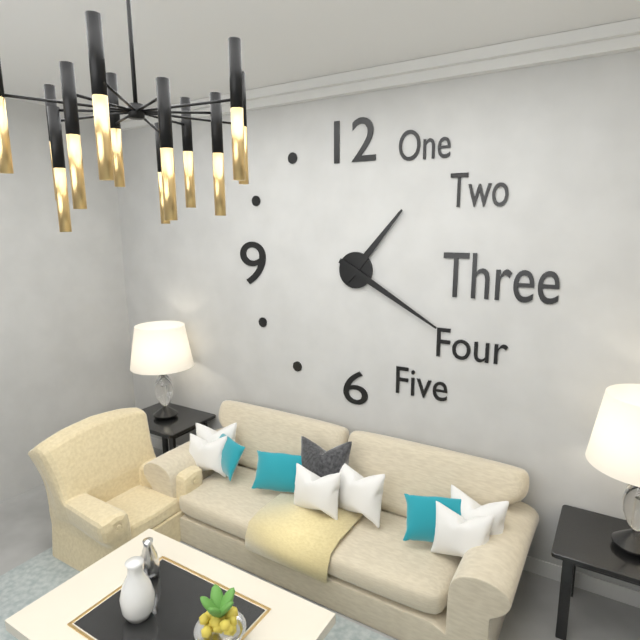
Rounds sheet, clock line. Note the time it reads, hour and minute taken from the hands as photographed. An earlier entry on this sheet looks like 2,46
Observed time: 1,20
